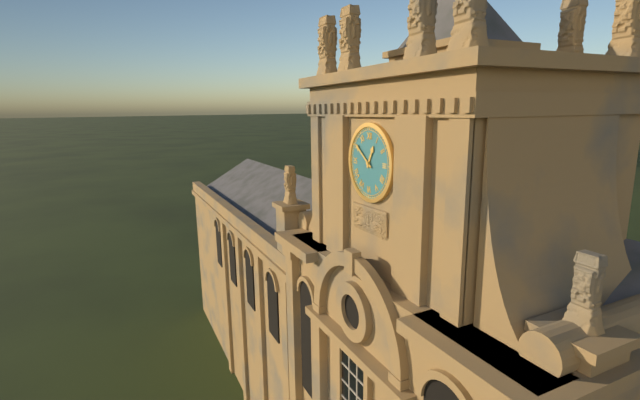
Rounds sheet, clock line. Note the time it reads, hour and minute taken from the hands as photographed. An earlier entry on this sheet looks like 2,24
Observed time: 12,51
